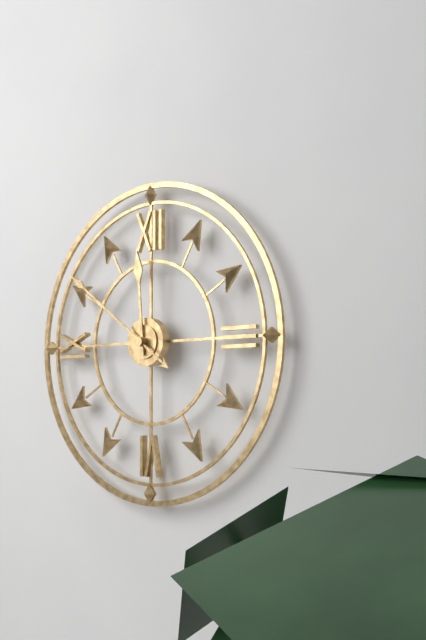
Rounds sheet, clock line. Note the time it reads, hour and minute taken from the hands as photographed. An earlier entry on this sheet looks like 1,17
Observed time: 11,51
